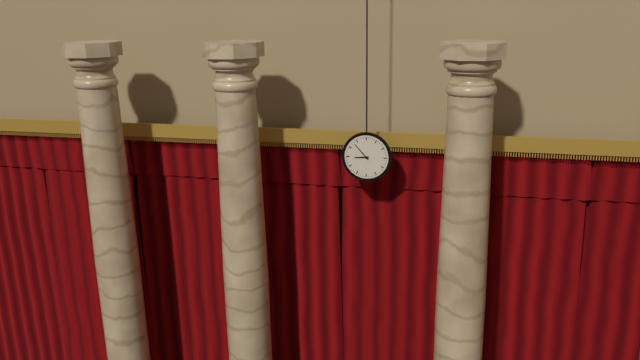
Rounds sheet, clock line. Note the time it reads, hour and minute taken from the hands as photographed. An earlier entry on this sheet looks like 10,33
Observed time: 8,53
